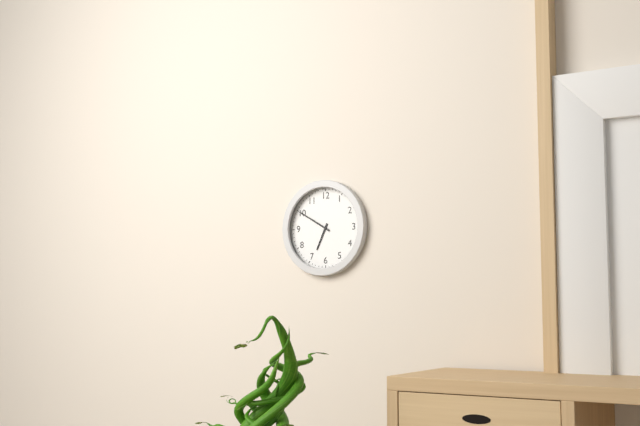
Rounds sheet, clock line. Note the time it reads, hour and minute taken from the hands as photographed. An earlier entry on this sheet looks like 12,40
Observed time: 6,50
